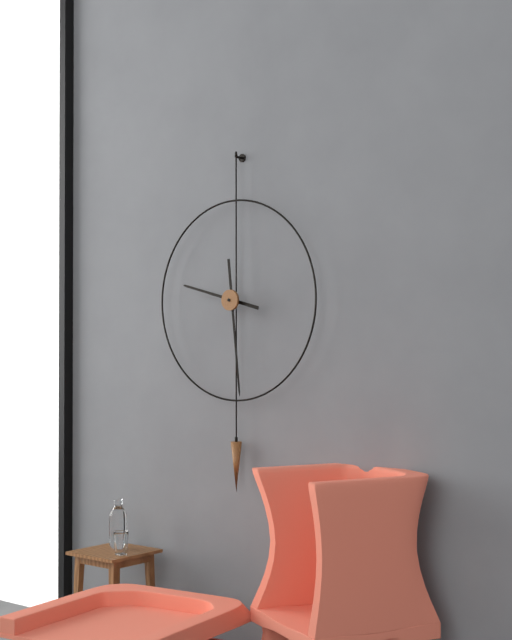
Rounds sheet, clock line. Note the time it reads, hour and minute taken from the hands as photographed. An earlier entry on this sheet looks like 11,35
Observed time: 9,29
